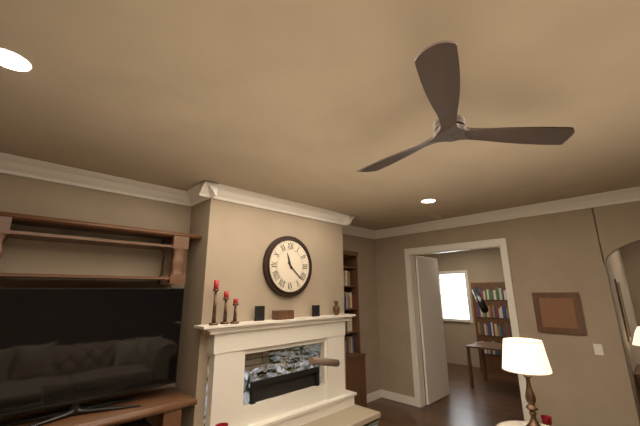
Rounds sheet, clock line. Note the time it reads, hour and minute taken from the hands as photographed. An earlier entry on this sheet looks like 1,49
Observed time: 11,22
